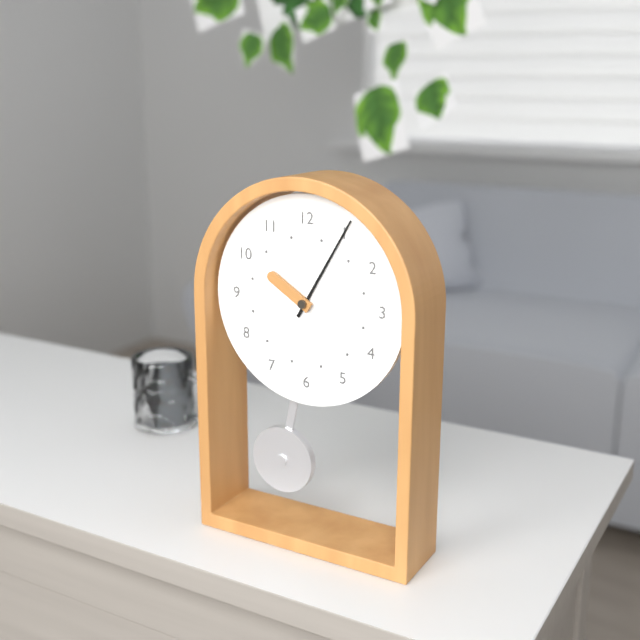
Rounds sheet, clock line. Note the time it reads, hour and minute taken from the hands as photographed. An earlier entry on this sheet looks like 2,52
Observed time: 10,05
